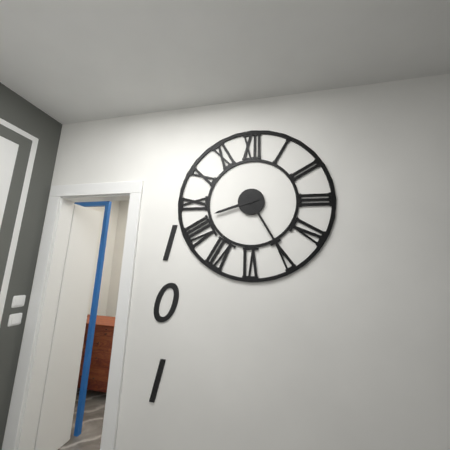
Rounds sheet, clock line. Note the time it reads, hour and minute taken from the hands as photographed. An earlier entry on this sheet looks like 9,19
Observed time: 8,25
